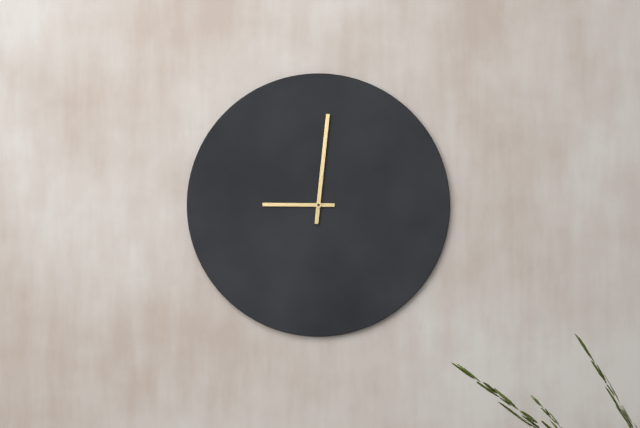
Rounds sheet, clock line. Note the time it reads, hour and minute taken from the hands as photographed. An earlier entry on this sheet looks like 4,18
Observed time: 9,01
